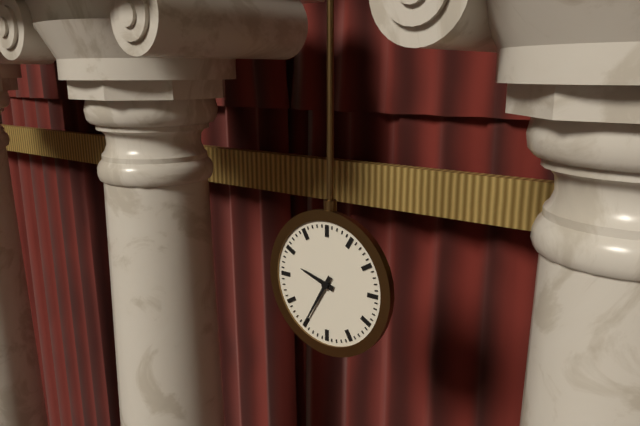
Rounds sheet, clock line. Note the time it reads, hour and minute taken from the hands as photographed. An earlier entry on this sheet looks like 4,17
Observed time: 9,35
